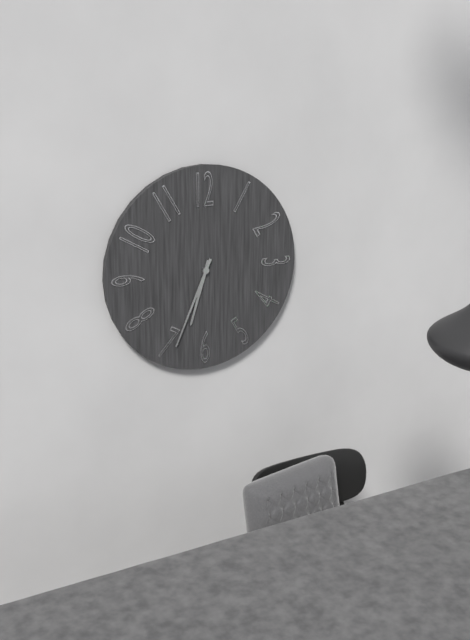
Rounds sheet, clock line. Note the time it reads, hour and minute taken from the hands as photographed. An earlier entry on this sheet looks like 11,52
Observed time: 6,34
